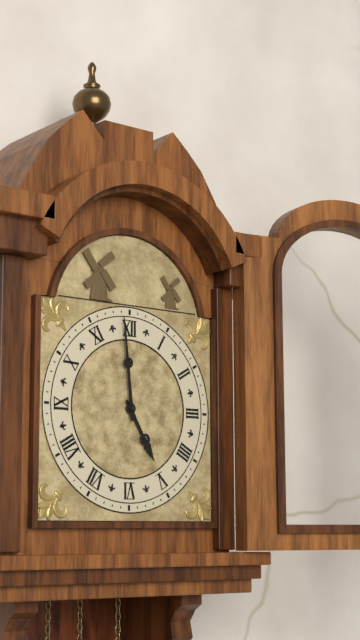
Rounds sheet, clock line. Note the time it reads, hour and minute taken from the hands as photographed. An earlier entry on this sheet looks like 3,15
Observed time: 4,59
